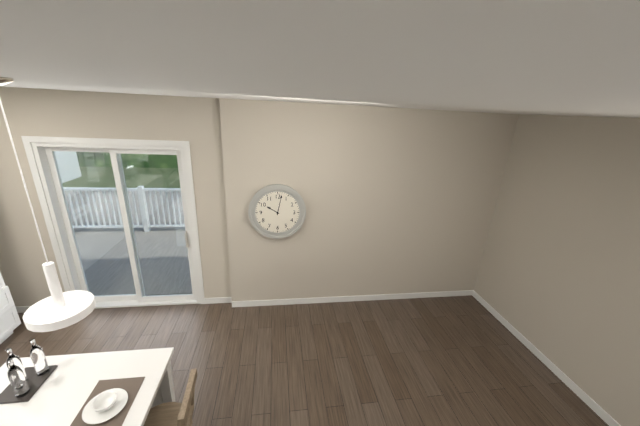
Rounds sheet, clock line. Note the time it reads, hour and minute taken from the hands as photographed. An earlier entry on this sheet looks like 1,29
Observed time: 10,02
